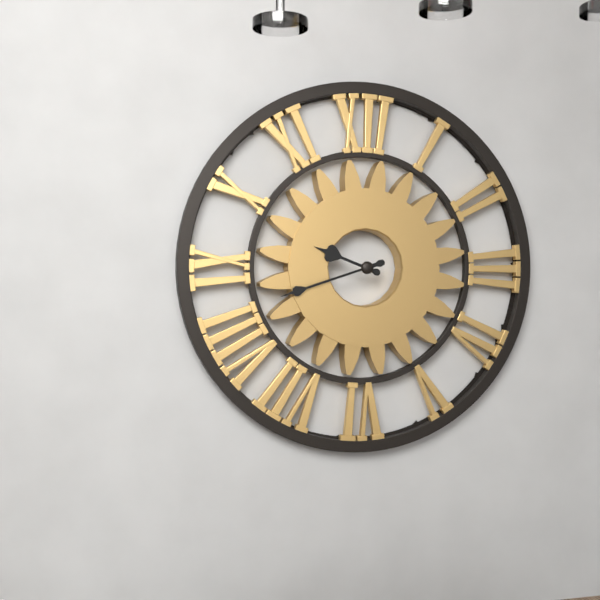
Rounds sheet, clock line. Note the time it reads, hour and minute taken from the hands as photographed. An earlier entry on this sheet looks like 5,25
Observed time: 9,42
